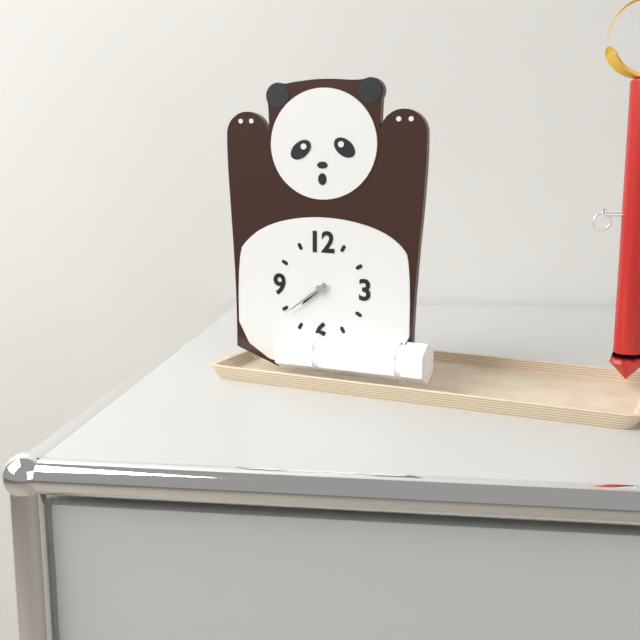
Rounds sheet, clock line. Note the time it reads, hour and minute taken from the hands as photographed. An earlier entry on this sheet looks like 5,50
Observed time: 7,39
